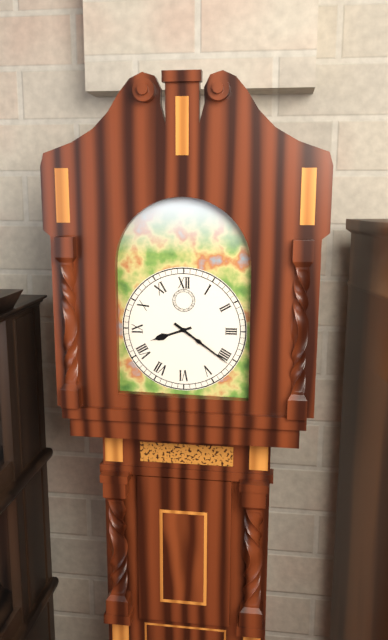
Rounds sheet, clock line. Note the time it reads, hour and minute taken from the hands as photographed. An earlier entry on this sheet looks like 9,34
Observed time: 8,21
